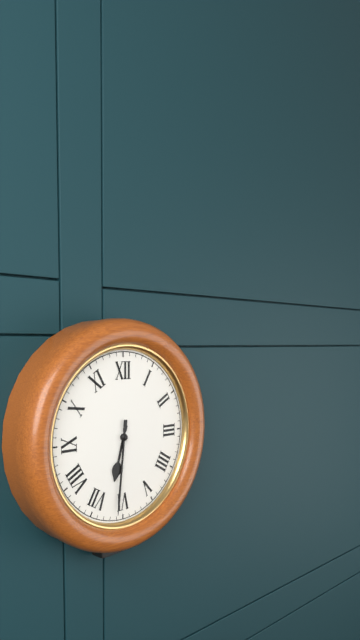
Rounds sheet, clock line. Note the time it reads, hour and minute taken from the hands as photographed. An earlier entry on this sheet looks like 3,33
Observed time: 6,31
